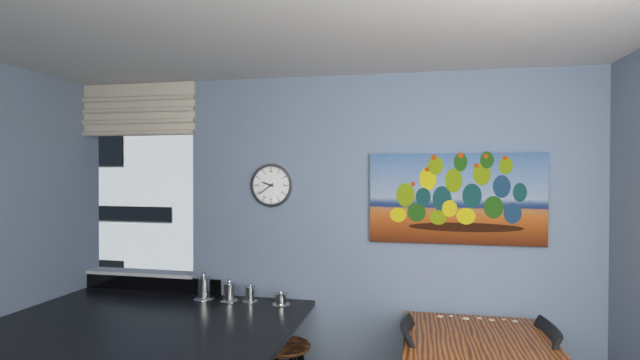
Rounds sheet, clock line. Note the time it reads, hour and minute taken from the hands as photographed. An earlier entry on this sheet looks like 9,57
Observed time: 9,39
